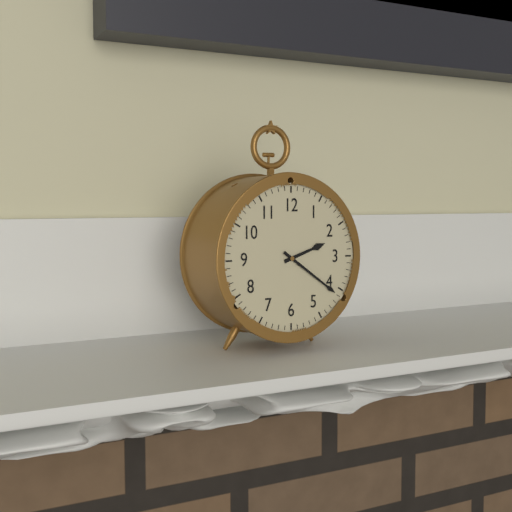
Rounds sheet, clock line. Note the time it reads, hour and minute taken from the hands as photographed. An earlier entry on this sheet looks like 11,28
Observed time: 2,21
